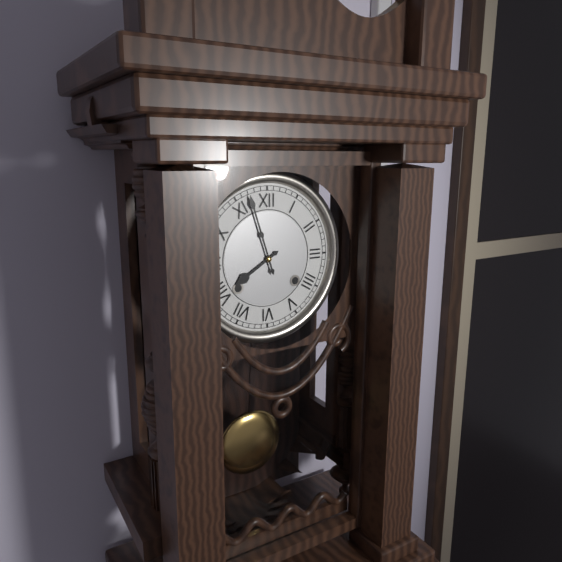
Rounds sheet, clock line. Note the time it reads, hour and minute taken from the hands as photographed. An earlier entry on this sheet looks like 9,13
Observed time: 7,57
